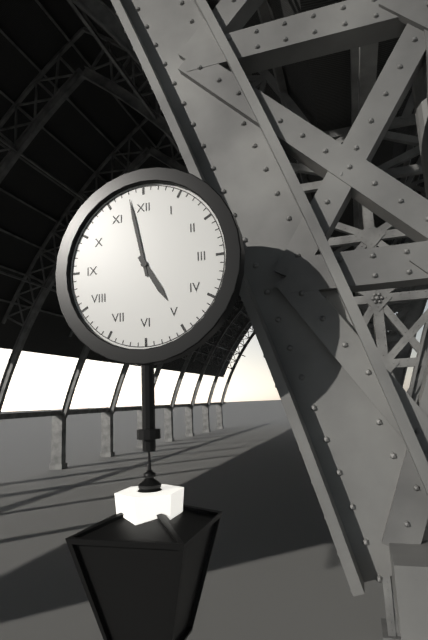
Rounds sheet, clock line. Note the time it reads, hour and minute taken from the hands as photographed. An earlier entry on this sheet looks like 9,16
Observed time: 4,58
